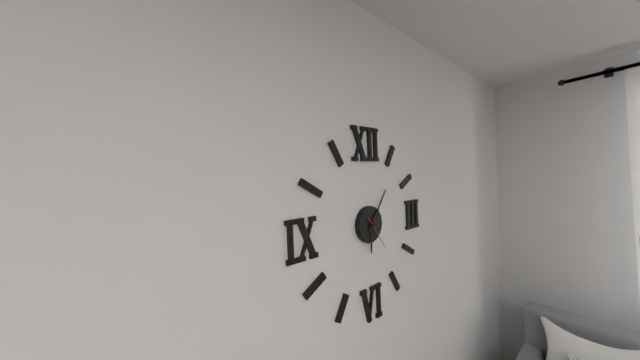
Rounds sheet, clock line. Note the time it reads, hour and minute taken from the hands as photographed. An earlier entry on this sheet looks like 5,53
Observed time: 6,06
